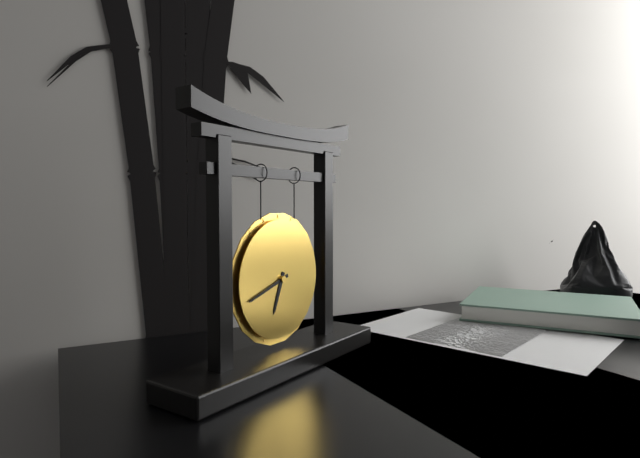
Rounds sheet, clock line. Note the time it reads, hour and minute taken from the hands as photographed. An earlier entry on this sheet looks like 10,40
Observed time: 6,42
